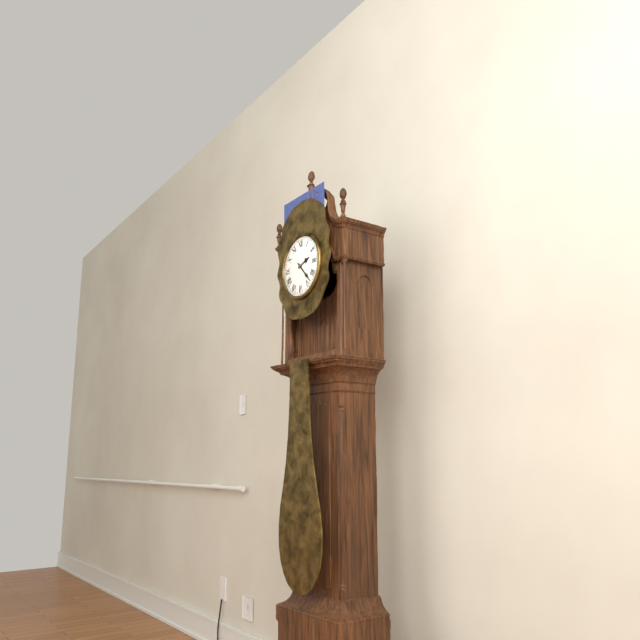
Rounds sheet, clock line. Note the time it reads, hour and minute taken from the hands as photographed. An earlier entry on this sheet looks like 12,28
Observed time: 2,23
